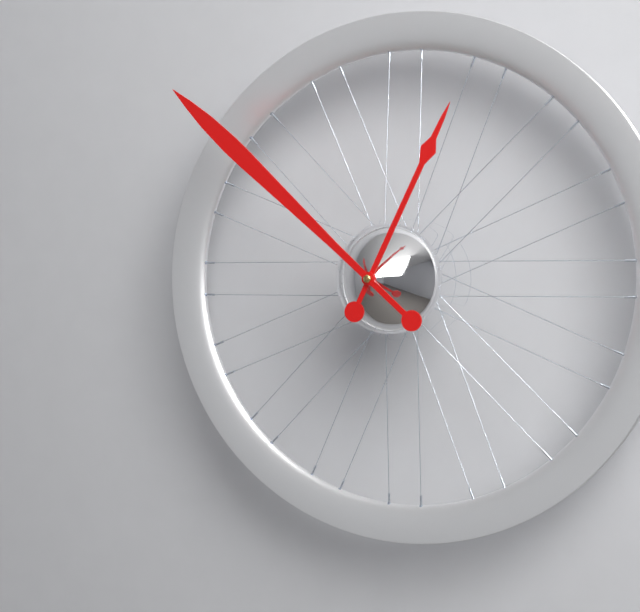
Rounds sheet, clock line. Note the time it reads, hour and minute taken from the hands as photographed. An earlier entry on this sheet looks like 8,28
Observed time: 12,52
